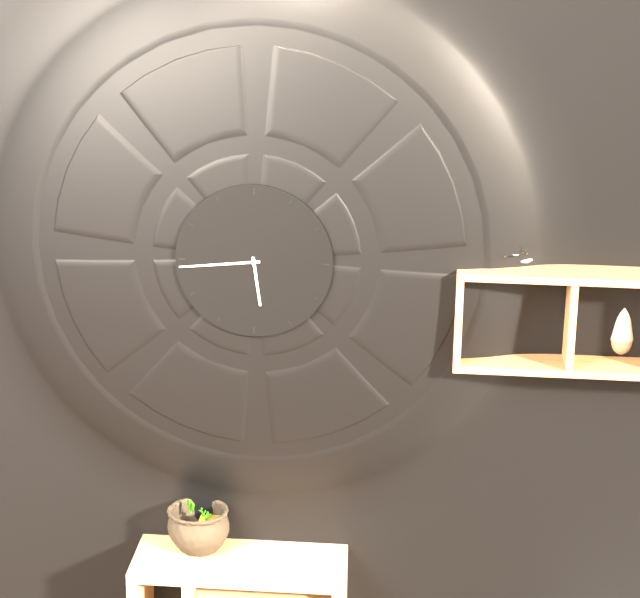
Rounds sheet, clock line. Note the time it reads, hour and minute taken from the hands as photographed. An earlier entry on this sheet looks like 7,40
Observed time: 5,44
